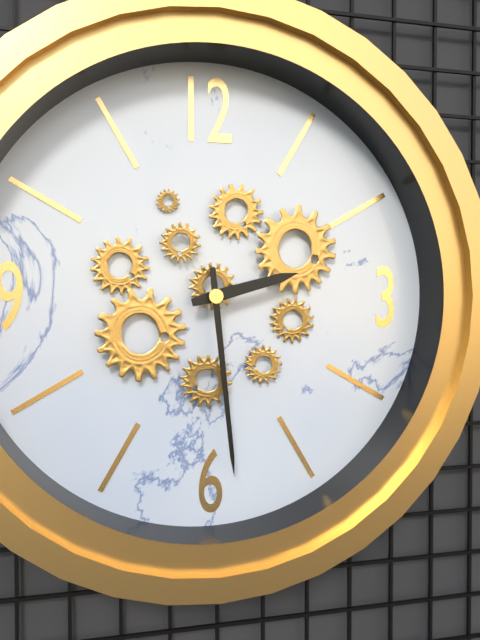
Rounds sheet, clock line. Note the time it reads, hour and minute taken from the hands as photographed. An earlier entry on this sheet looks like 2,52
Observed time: 2,29
